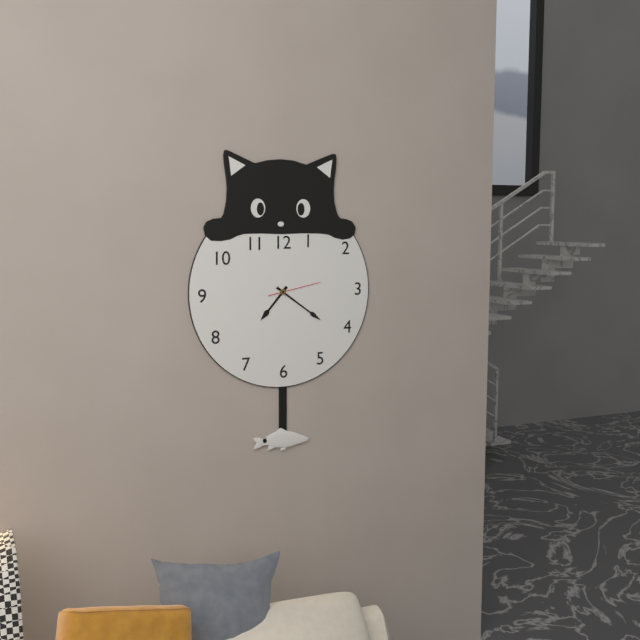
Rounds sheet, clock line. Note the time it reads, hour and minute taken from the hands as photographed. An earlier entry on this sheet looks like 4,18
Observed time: 7,21
